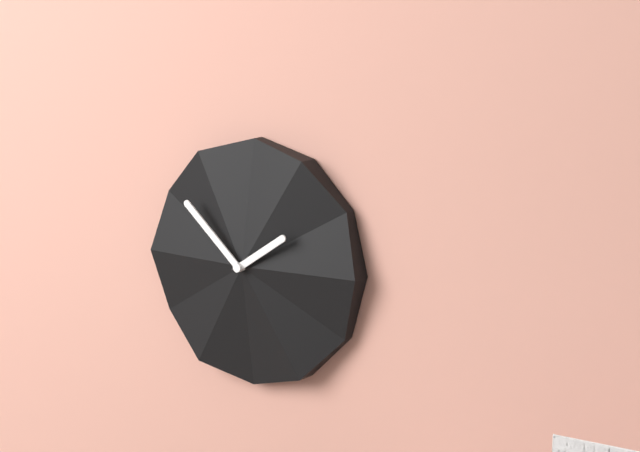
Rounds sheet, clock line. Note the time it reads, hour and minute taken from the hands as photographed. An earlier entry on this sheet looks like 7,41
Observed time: 1,52
